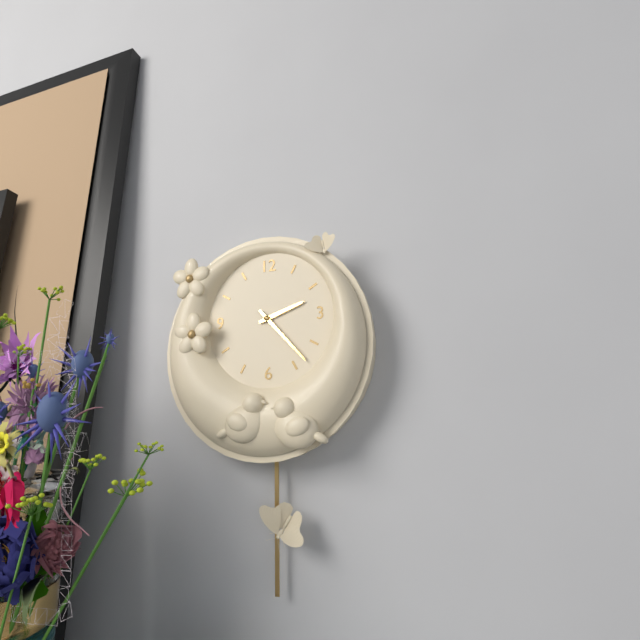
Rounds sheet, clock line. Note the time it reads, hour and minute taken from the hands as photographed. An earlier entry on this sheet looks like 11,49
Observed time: 2,23
